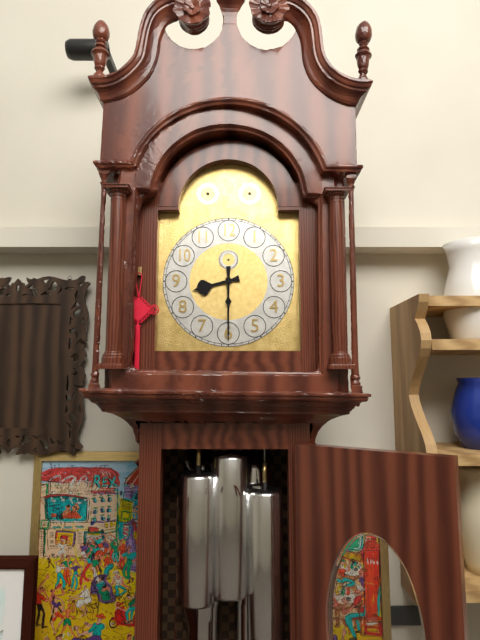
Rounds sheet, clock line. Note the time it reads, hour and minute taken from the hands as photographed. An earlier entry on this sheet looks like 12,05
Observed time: 8,30
